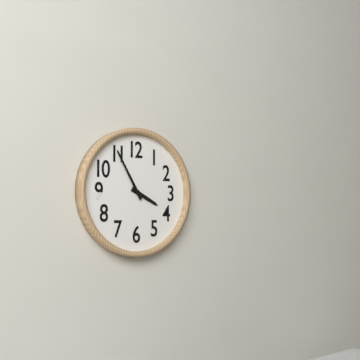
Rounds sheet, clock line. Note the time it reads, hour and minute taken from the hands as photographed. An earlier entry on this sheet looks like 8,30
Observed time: 3,55
